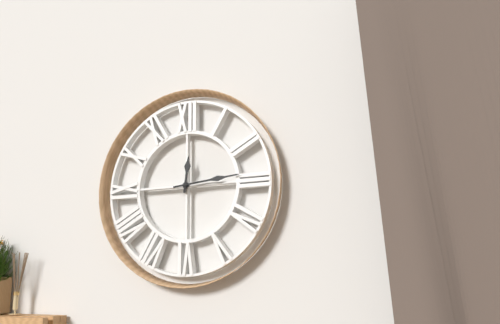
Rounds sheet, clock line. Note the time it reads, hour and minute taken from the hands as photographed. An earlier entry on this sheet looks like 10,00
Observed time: 12,14
